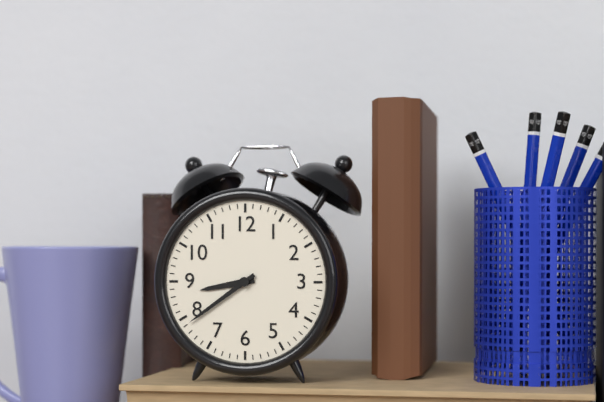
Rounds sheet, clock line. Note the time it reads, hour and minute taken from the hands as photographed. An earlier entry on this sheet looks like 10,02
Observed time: 8,39
